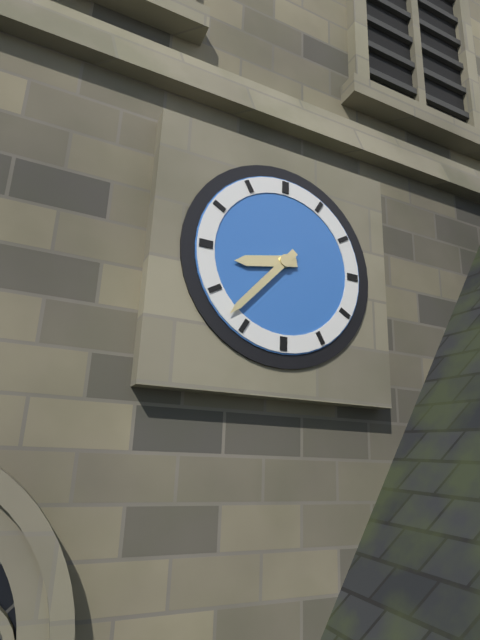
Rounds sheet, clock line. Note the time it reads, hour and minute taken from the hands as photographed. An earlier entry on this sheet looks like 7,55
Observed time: 8,37
